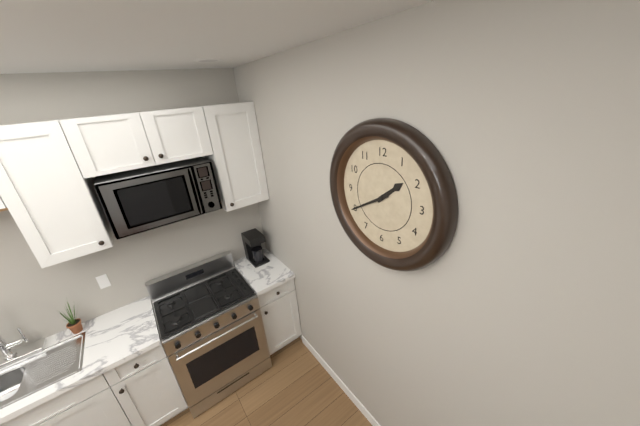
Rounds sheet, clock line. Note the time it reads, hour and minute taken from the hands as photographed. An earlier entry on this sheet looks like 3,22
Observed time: 1,40
